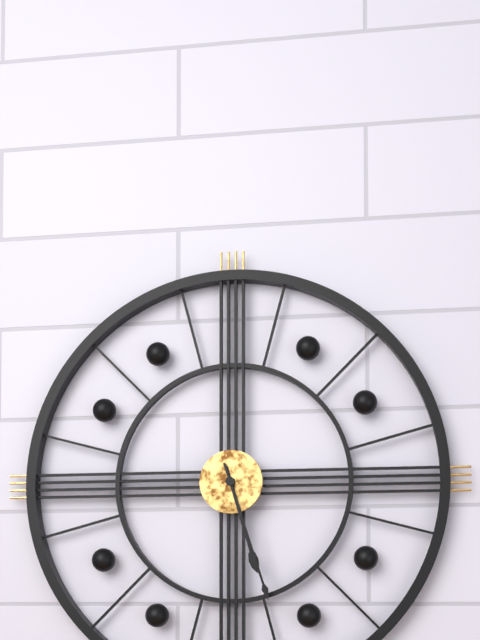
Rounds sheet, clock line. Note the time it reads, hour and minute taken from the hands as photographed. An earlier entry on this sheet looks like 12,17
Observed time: 5,27
